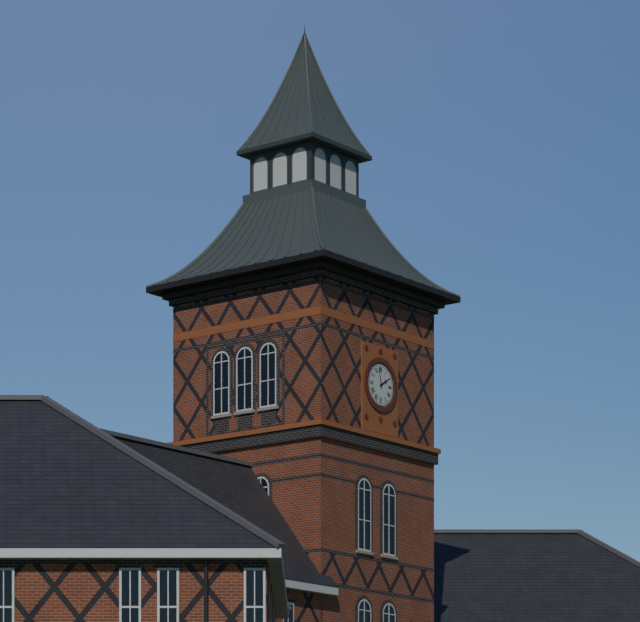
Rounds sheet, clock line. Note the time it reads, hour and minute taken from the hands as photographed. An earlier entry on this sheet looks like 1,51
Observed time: 1,58
